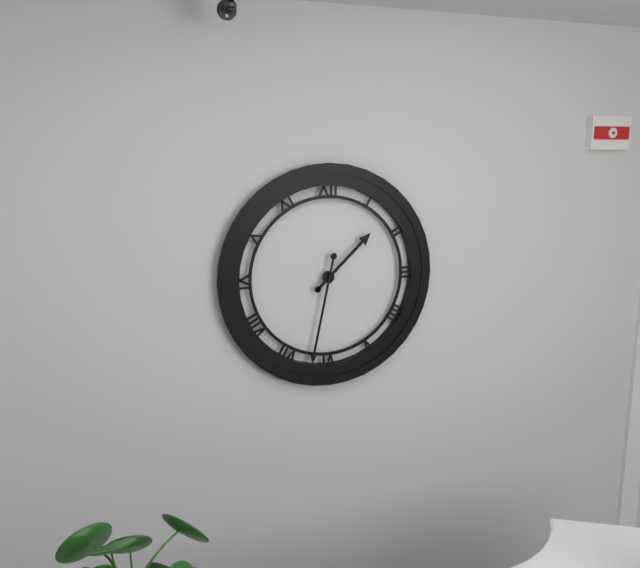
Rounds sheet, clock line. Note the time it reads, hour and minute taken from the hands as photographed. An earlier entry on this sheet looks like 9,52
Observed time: 1,32
